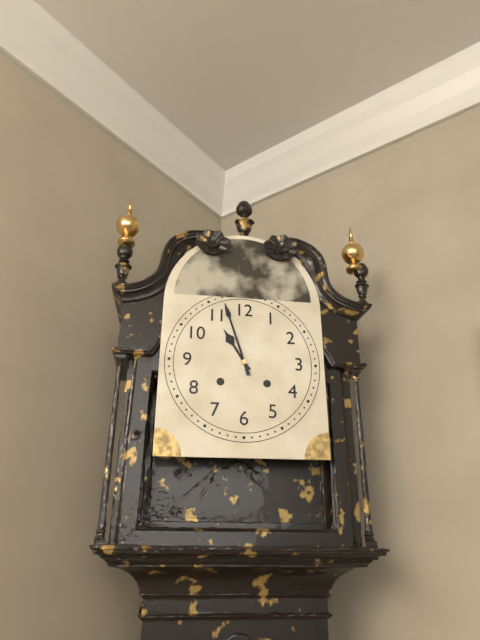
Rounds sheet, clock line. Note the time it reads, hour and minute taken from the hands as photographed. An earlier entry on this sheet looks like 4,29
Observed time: 10,57
